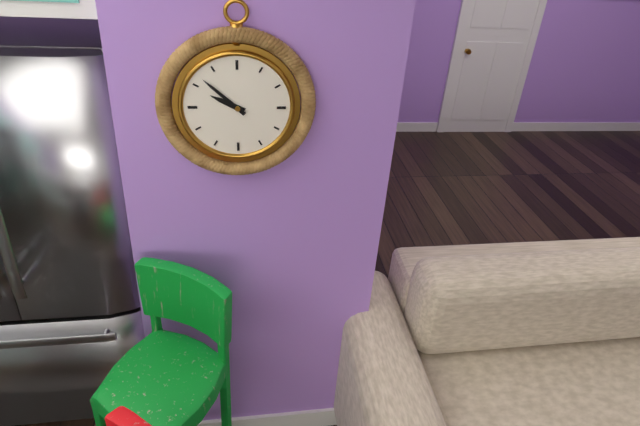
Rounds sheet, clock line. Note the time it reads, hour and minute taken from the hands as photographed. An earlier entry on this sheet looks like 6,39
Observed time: 9,52
